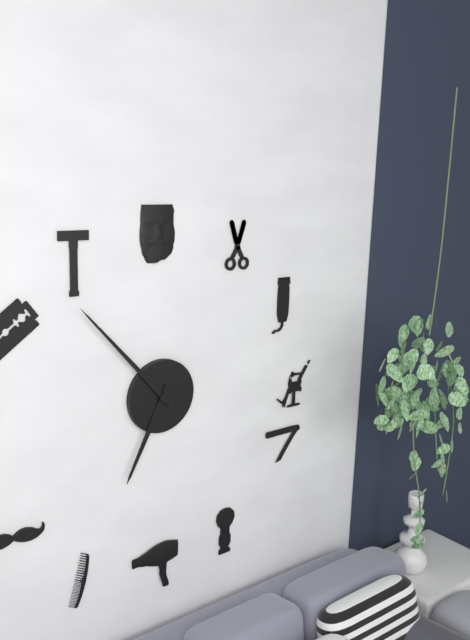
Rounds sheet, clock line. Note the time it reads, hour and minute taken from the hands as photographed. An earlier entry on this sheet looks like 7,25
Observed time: 6,53
